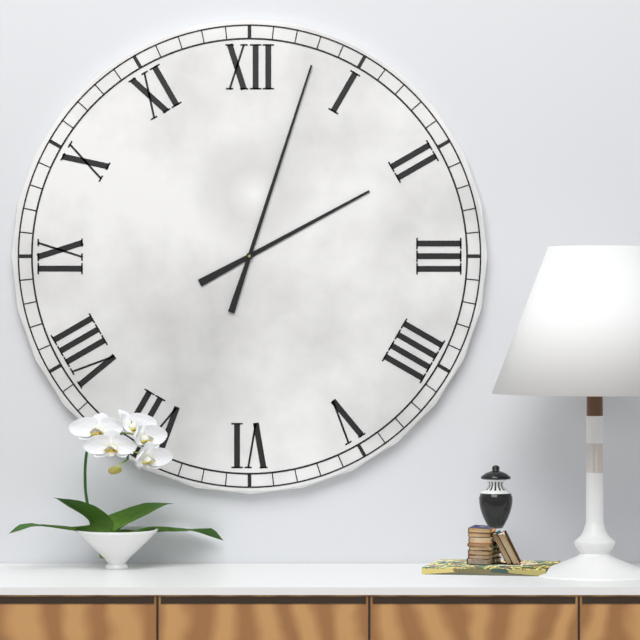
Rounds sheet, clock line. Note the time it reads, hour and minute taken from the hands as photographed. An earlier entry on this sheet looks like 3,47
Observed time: 2,03
